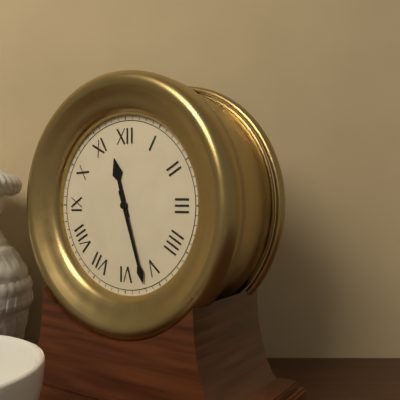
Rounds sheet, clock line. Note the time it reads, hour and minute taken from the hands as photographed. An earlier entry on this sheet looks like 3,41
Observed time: 11,27
